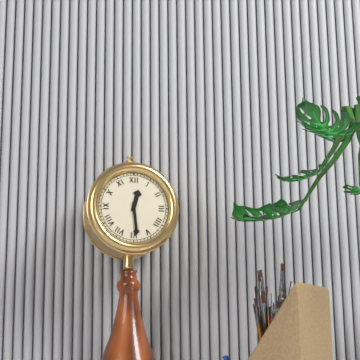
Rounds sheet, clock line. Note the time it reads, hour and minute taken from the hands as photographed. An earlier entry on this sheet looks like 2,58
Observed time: 12,29
